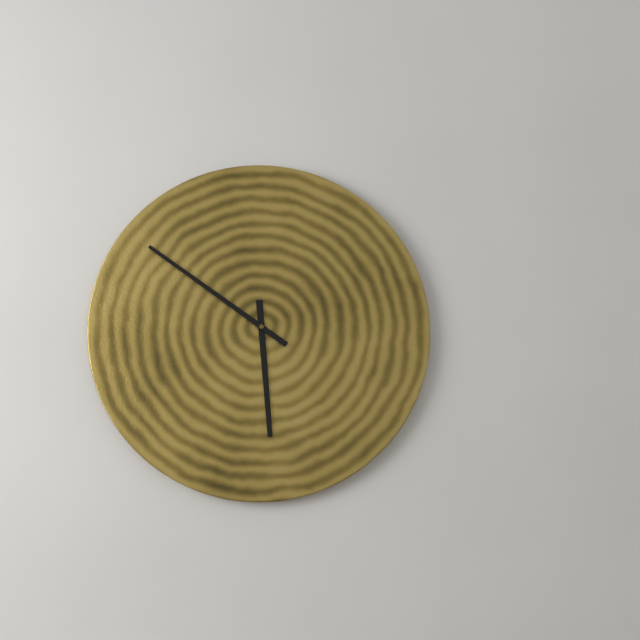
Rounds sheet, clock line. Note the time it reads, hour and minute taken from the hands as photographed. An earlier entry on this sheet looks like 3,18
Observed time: 5,51
